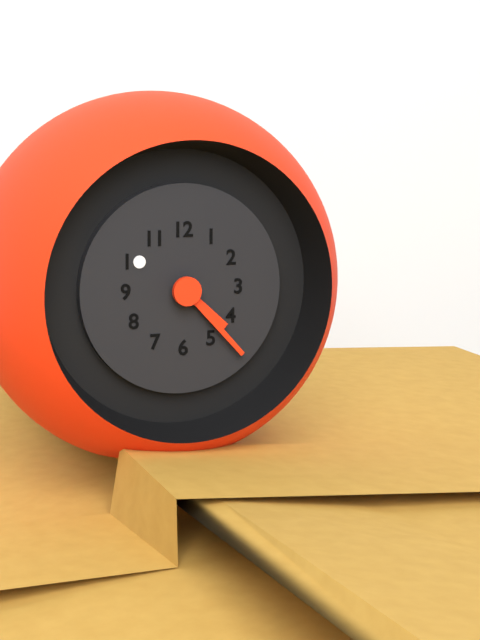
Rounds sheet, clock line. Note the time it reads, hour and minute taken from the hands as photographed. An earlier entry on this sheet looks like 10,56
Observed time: 4,23
